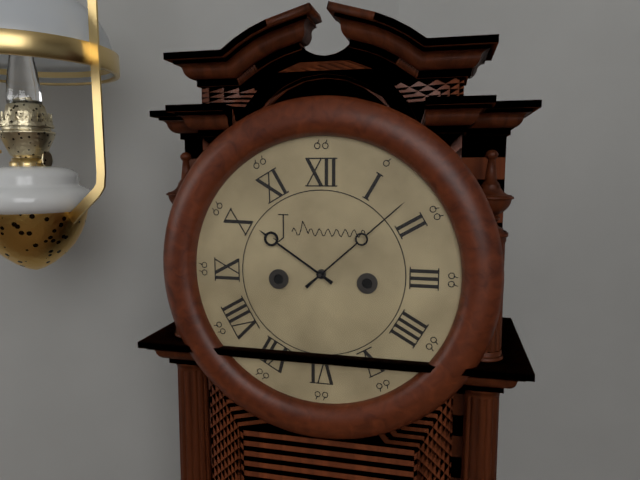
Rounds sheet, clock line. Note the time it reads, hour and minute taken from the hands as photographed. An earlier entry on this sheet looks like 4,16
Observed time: 10,08
